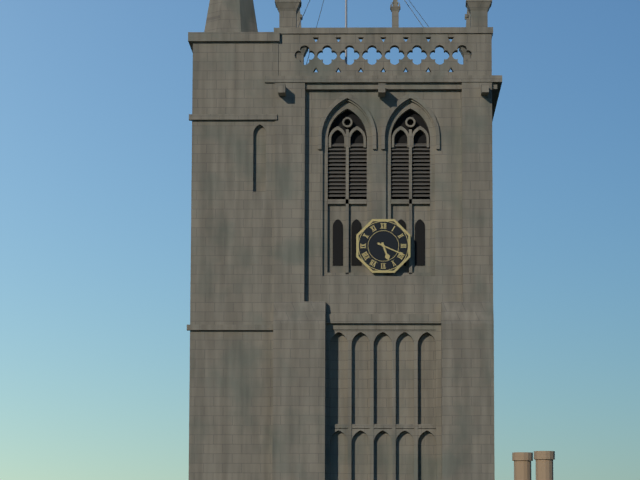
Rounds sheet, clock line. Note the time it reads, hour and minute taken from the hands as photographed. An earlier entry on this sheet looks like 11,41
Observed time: 5,19
